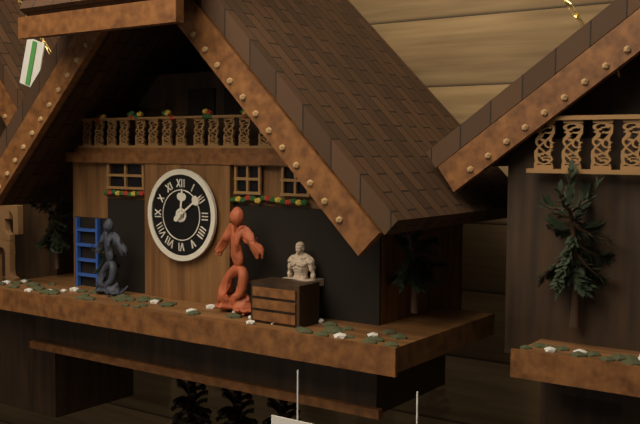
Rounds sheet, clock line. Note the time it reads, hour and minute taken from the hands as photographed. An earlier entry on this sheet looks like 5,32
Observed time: 12,09
